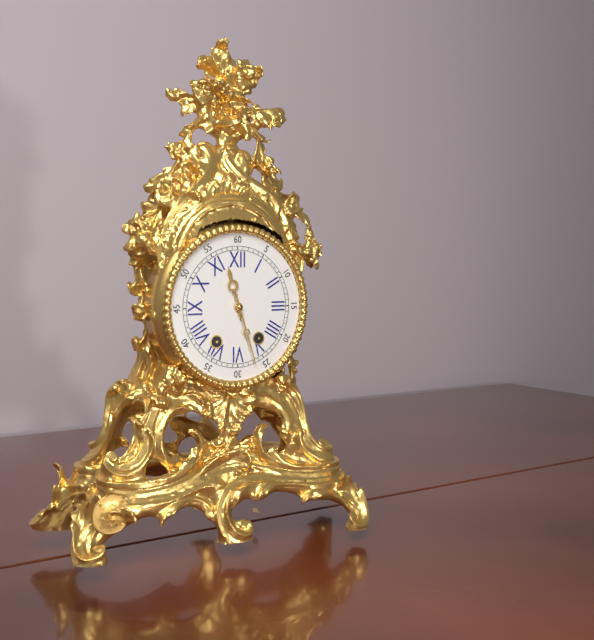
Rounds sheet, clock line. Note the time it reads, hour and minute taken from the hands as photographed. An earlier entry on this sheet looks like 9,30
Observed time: 11,27
